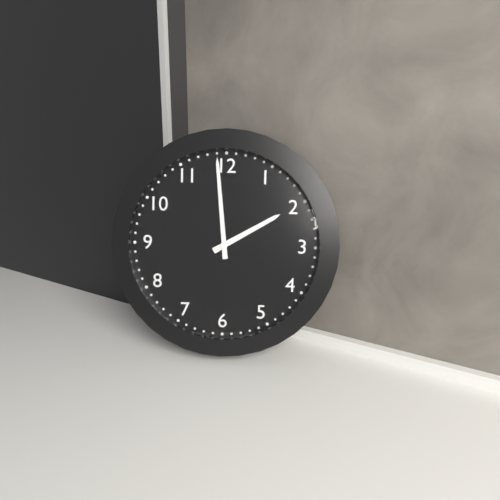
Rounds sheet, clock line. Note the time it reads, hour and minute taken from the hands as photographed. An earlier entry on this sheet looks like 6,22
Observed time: 1,59
